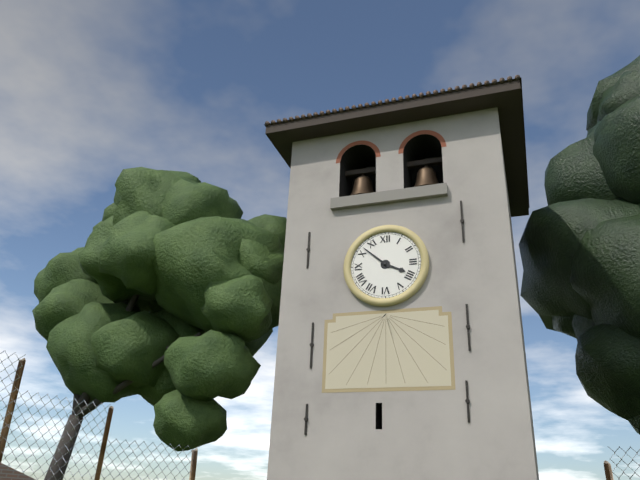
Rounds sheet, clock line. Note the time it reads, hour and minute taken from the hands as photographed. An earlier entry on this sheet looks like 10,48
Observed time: 3,52
